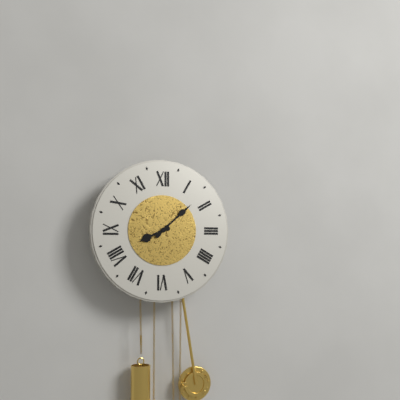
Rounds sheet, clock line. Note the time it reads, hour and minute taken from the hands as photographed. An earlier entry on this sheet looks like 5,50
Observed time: 8,08
